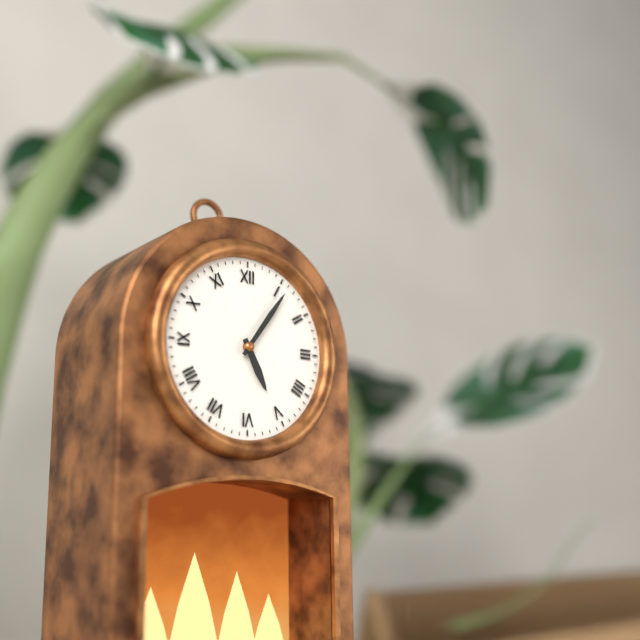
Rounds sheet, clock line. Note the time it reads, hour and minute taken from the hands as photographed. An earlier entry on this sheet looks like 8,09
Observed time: 5,06
